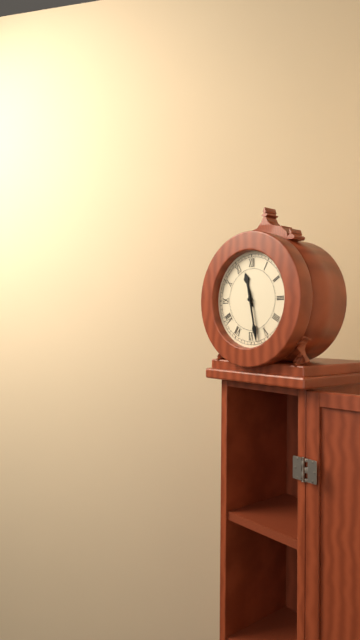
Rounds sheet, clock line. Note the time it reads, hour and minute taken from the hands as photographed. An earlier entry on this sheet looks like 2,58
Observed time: 11,28
